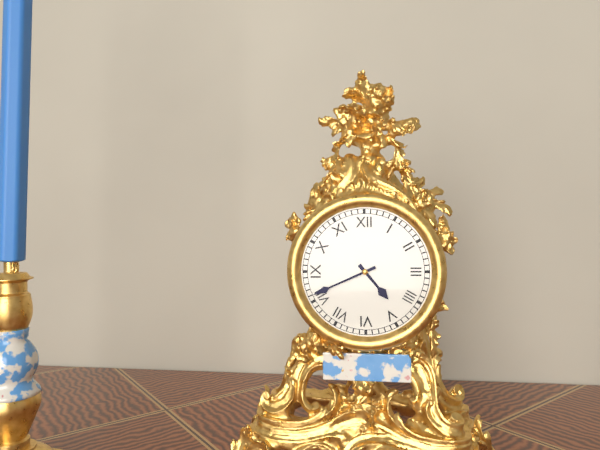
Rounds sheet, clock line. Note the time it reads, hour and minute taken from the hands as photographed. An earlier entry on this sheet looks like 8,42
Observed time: 4,41
